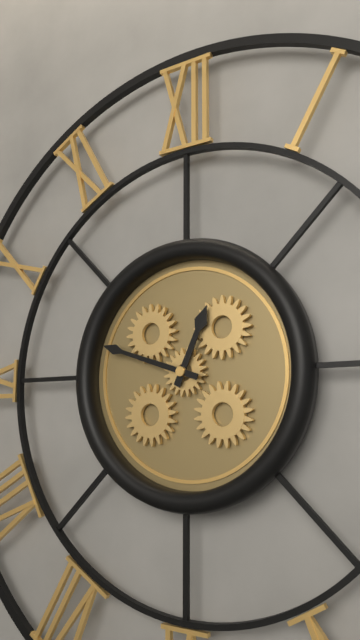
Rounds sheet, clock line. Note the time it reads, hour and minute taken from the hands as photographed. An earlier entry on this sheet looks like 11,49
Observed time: 12,48
